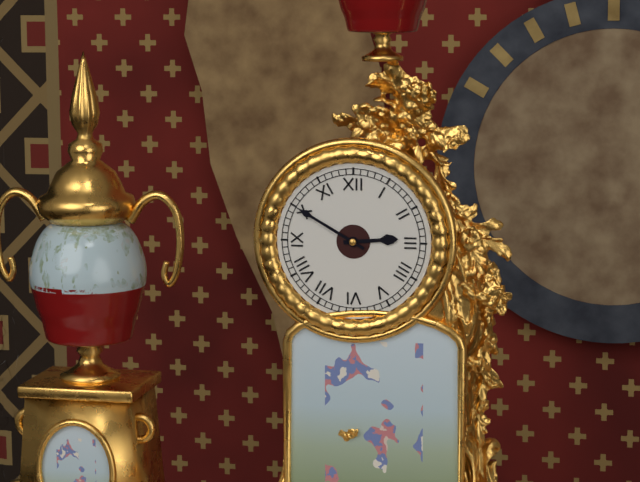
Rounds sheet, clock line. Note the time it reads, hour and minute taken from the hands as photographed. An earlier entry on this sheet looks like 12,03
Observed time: 2,50
